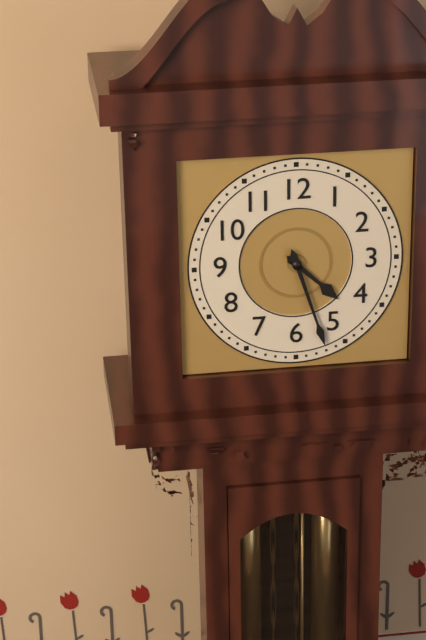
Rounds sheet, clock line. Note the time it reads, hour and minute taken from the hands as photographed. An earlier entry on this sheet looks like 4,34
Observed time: 4,27
